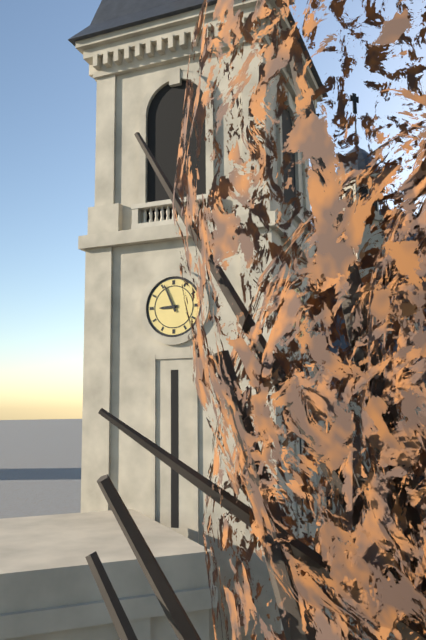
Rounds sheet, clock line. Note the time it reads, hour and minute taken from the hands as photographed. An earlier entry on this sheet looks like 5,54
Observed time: 8,56
